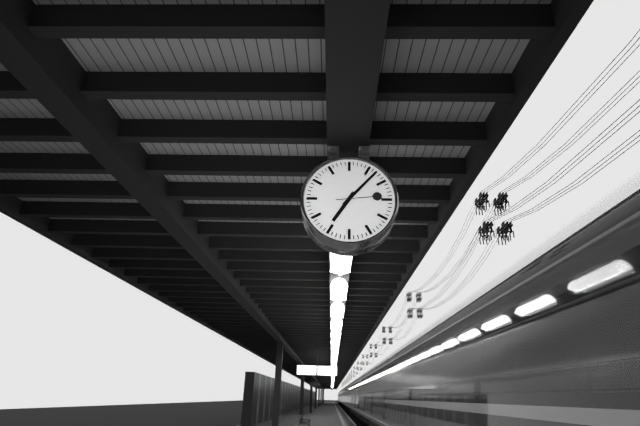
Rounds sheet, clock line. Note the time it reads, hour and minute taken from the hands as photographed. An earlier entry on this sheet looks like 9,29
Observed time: 7,07
